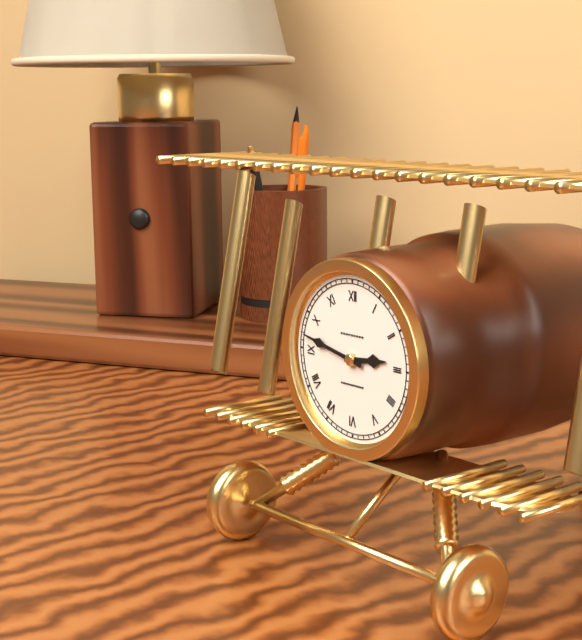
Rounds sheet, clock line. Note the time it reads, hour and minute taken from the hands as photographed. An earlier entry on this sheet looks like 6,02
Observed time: 2,47
